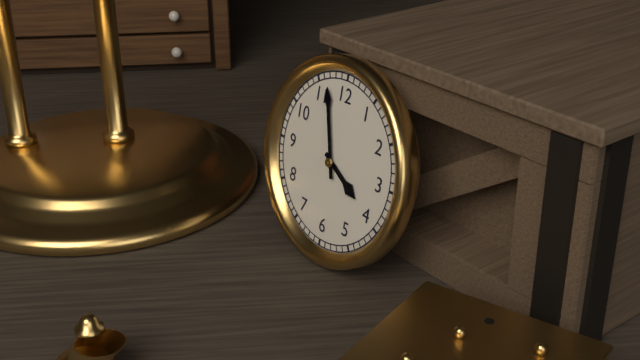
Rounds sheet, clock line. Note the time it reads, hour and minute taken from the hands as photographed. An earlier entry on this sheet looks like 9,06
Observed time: 3,57
